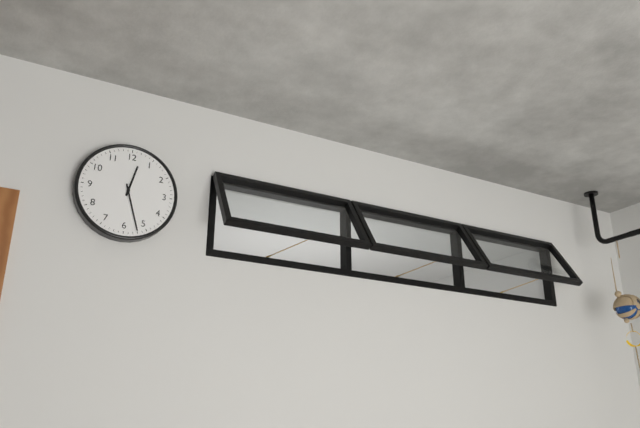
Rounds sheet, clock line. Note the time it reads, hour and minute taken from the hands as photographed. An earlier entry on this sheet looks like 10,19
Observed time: 12,27
